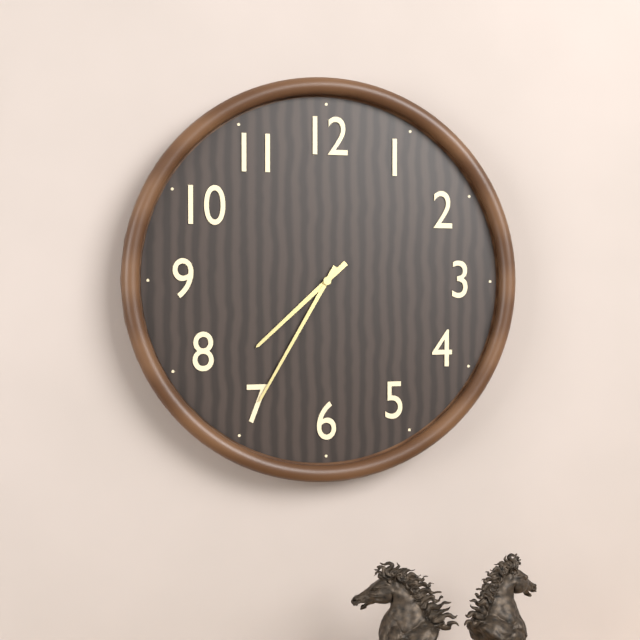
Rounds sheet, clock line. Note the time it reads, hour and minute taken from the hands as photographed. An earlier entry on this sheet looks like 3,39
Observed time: 7,35
